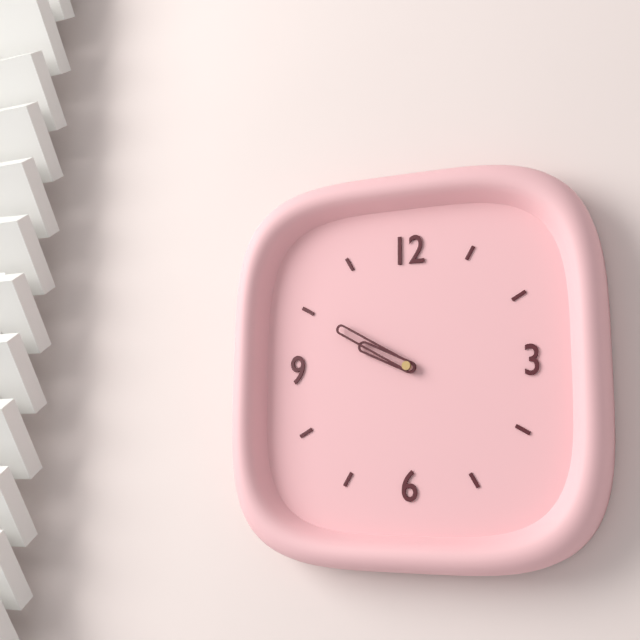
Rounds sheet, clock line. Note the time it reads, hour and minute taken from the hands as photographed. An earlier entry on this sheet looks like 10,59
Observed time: 9,50
